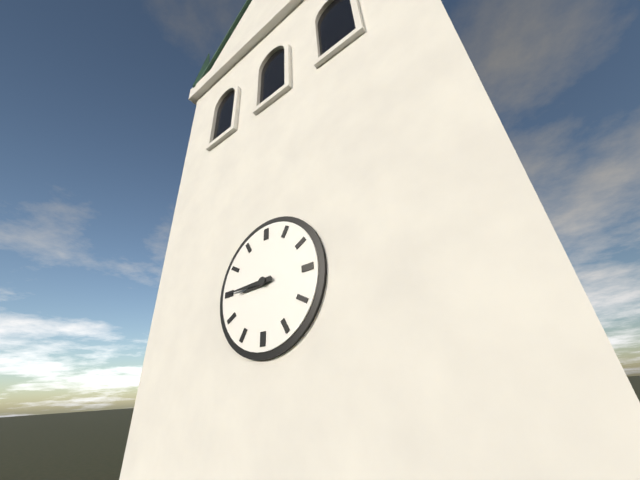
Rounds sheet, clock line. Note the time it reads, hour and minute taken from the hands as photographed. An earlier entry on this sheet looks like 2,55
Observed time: 8,45
